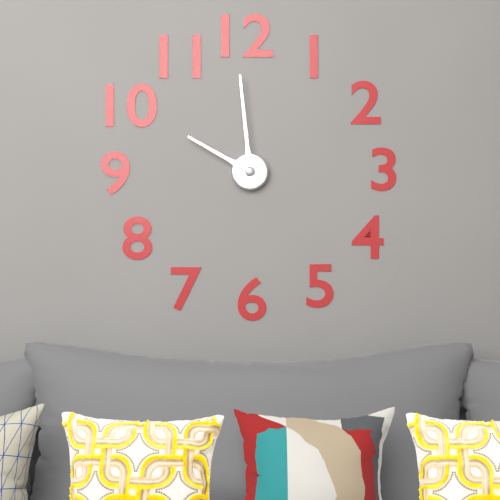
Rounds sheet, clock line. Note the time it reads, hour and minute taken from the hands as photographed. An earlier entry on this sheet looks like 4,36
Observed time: 9,59
